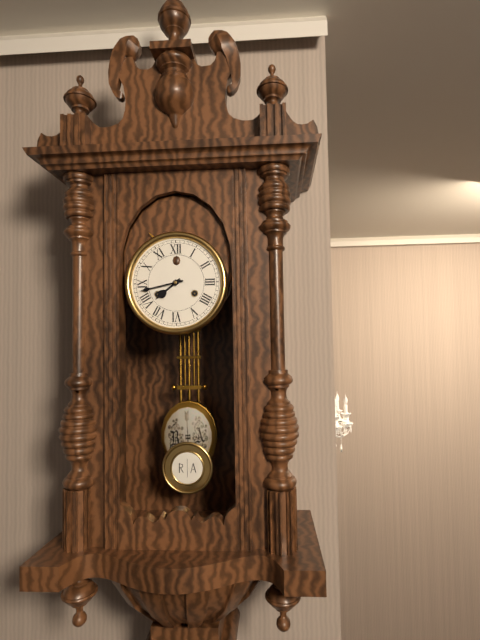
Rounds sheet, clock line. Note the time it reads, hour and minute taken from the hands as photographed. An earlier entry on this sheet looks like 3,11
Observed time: 7,43
